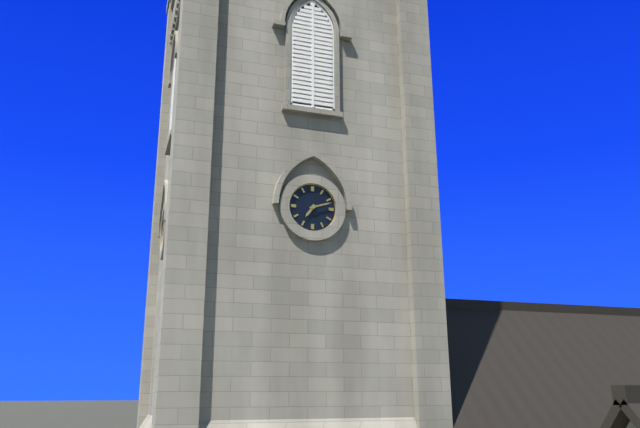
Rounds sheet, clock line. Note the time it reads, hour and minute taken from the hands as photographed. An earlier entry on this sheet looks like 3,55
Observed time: 7,12
